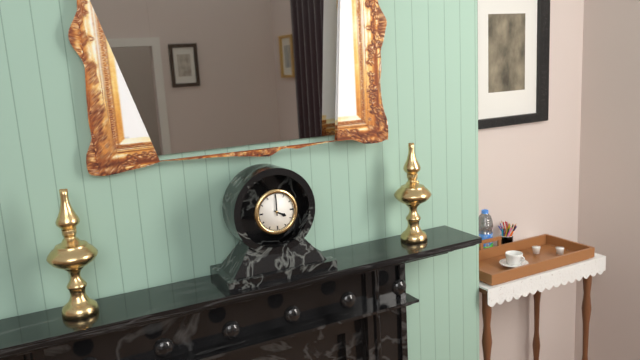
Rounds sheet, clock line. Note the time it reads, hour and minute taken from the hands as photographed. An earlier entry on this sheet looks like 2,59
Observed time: 4,00
